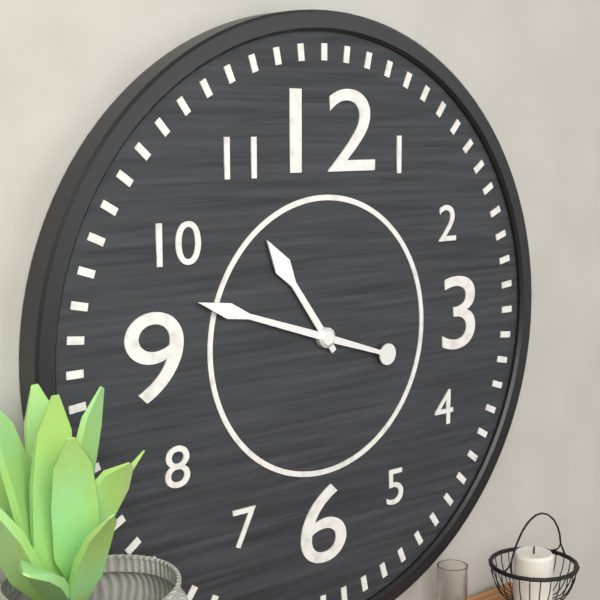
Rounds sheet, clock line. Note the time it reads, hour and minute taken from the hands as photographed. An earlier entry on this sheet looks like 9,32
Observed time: 10,48
